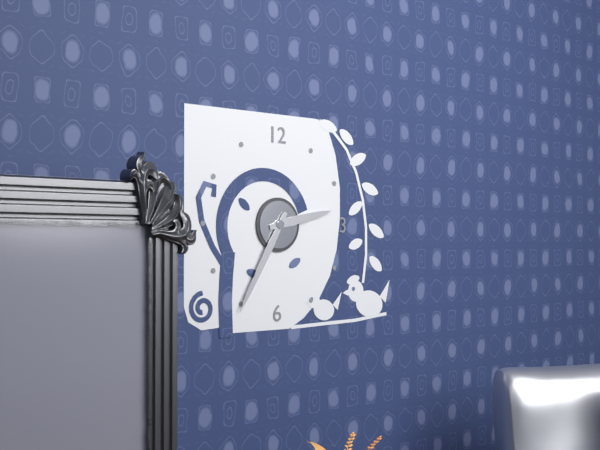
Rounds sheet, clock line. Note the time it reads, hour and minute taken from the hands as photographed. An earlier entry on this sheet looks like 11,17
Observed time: 2,35
